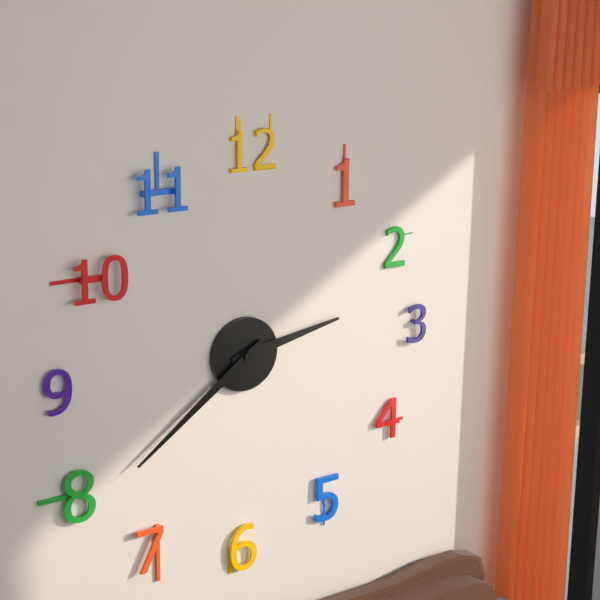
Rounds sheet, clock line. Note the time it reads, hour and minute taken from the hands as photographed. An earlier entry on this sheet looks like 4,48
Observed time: 2,39
